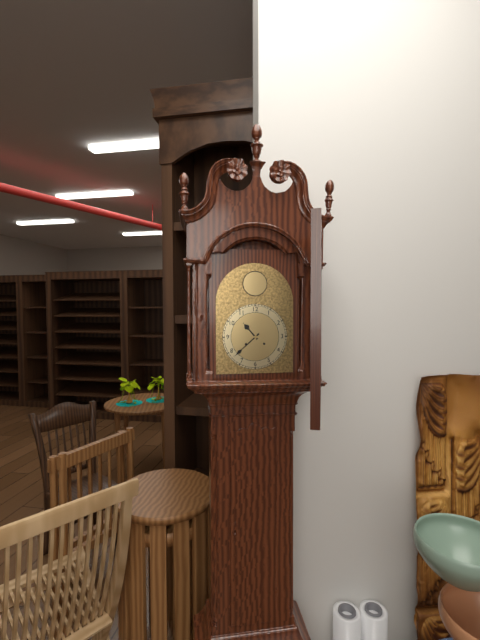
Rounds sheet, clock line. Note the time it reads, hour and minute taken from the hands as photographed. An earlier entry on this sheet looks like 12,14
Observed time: 10,38
